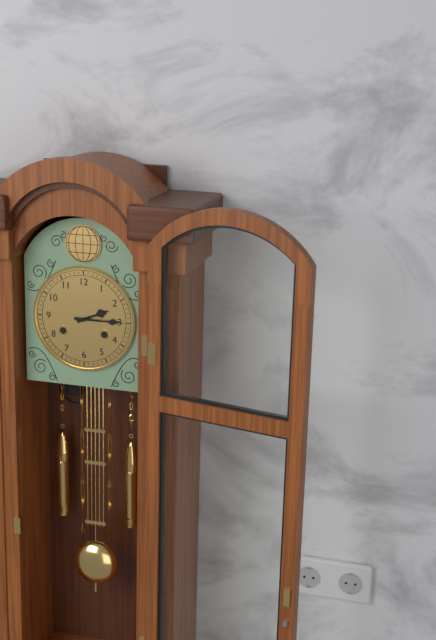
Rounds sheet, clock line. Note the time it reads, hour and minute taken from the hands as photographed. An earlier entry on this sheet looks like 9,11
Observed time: 2,15
